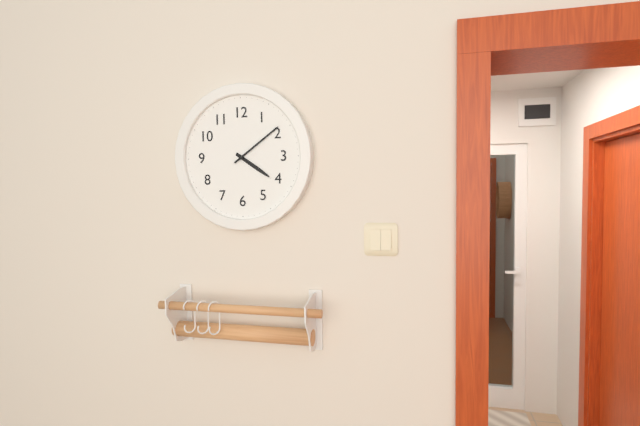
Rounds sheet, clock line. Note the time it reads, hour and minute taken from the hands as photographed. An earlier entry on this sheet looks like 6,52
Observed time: 4,09
